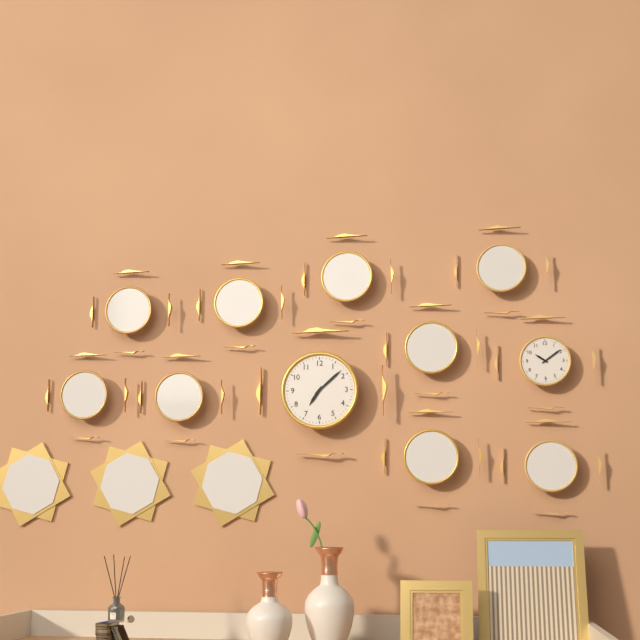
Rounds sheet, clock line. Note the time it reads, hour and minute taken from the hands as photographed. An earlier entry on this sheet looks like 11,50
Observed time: 7,08
